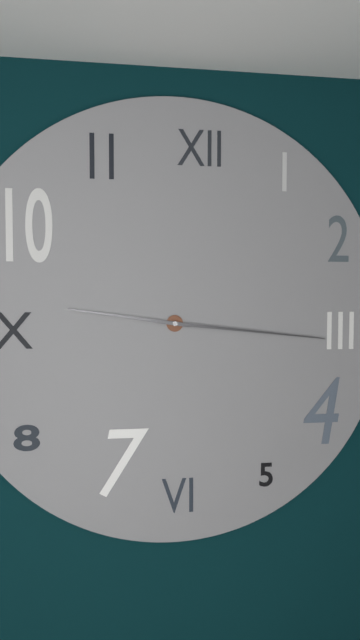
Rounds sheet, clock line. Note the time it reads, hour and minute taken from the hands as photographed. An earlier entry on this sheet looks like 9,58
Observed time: 9,16
